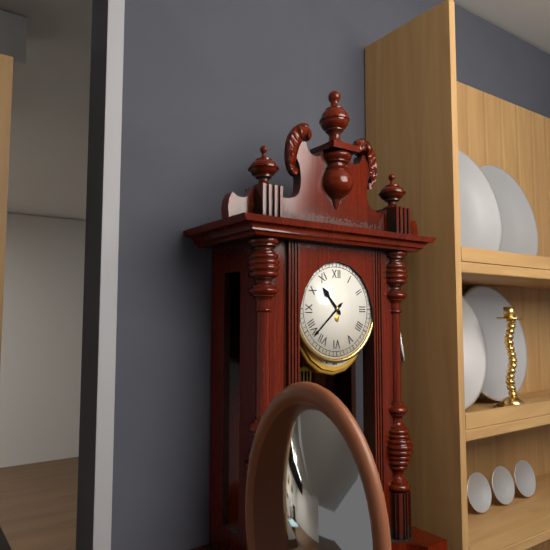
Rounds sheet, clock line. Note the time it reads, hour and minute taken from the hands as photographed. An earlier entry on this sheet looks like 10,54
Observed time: 10,38
